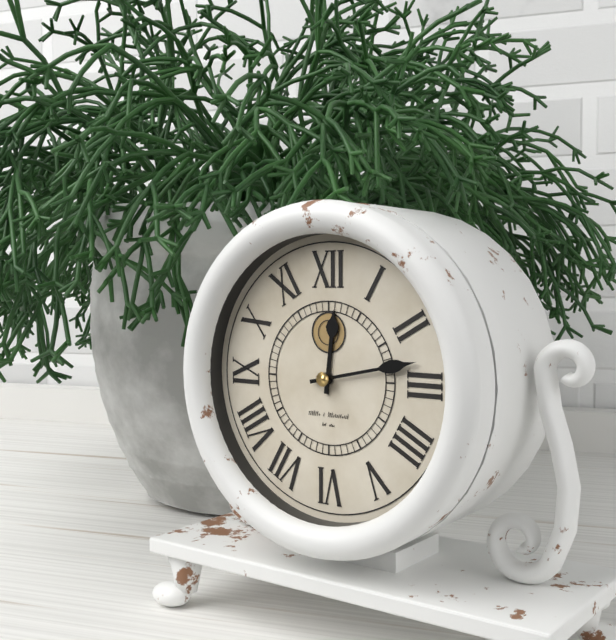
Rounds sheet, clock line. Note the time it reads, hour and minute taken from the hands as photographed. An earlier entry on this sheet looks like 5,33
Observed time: 12,13
